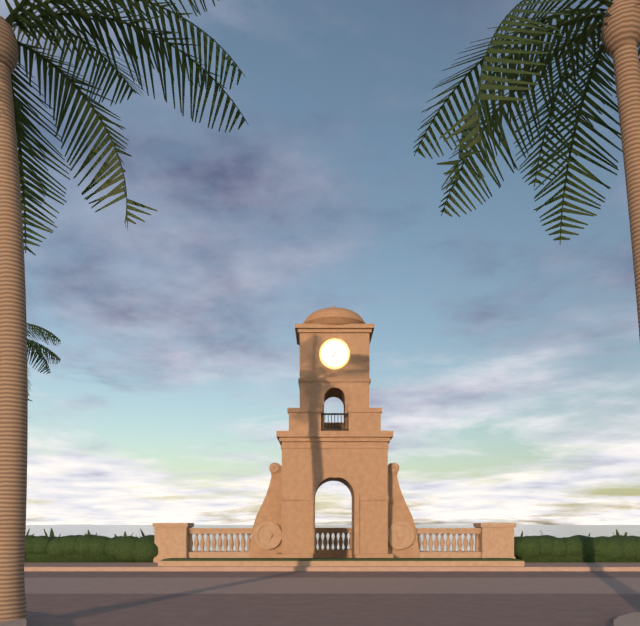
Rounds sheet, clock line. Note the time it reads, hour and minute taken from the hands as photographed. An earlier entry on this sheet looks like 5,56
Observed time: 7,06
